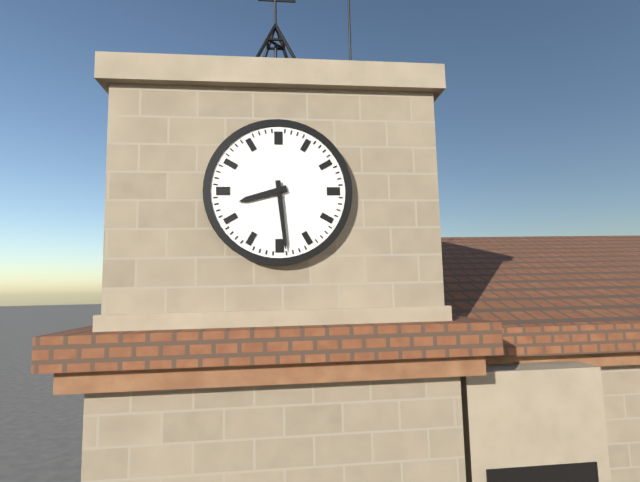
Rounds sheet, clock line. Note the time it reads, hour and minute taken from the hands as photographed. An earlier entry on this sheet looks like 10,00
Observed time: 8,29
